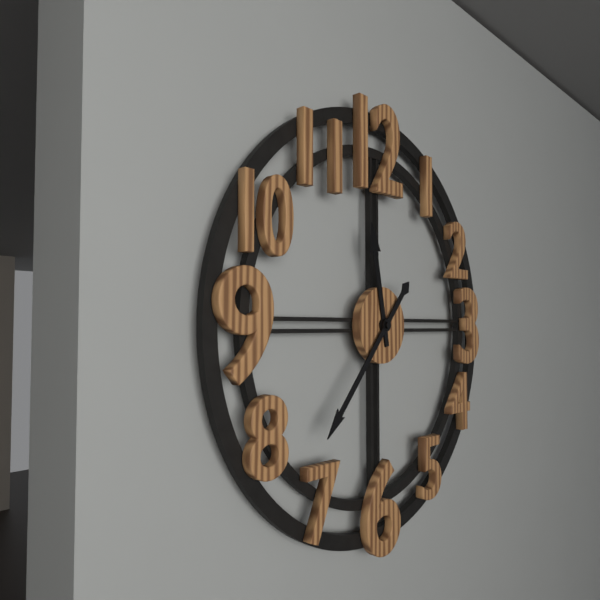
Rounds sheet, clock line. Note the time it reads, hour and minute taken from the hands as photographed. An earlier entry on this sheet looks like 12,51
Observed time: 11,37
